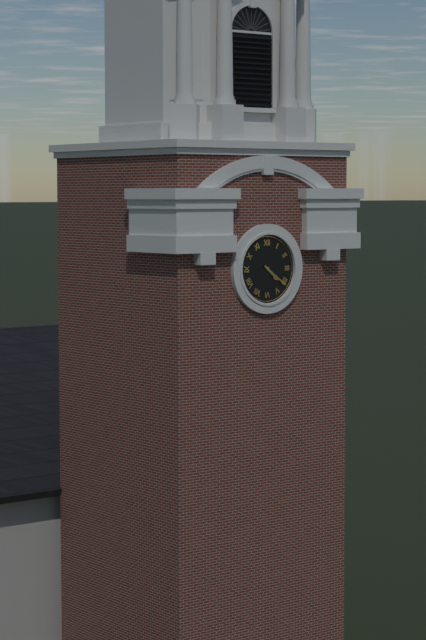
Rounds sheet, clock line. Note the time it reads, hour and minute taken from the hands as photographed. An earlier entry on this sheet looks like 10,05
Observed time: 4,21
